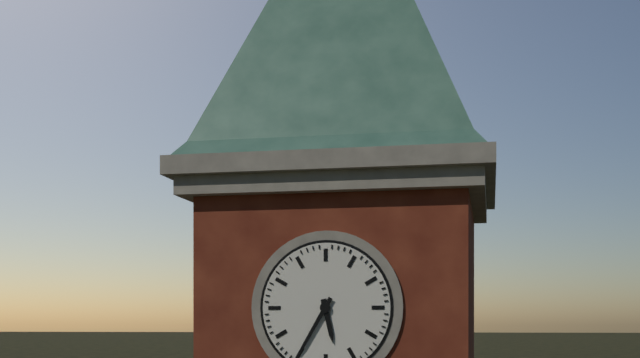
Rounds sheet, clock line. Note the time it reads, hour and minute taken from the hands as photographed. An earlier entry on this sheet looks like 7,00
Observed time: 5,35
